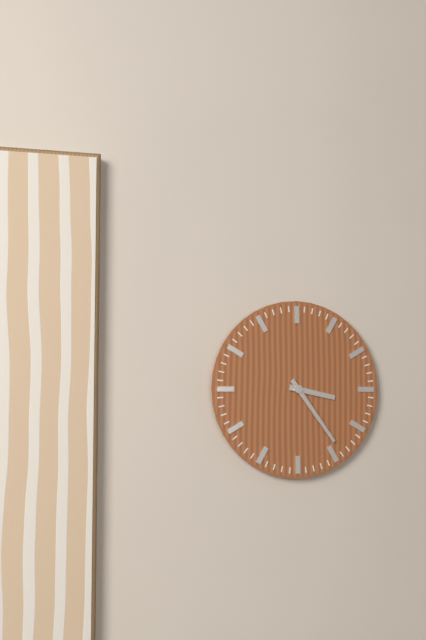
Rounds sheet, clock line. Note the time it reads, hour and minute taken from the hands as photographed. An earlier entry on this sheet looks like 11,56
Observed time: 3,24
